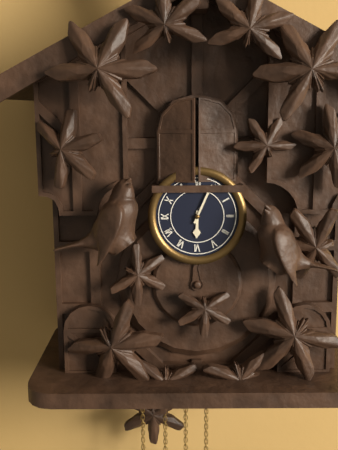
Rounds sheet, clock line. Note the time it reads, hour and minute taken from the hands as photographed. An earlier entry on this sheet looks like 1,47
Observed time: 6,04
